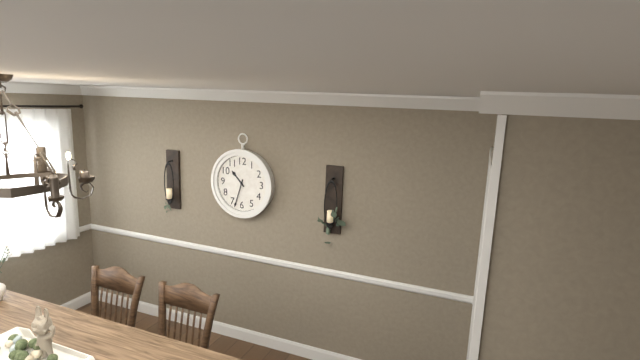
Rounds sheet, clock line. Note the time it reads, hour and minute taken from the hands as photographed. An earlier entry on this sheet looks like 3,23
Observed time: 10,33
